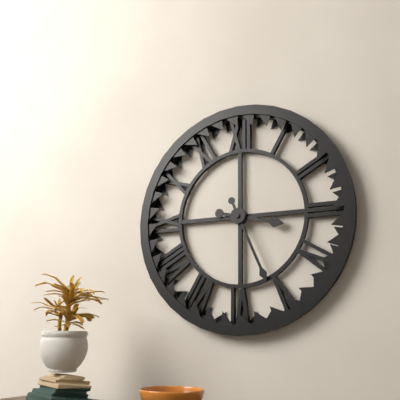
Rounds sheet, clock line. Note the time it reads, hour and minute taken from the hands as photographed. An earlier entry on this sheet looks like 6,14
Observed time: 3,26
